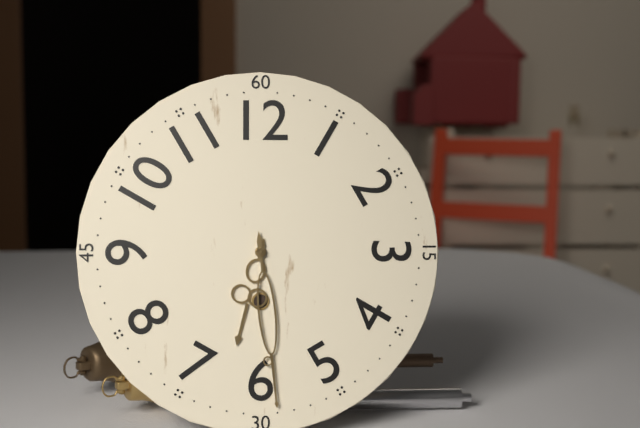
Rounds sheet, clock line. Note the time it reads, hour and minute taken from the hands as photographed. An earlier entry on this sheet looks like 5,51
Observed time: 6,29
